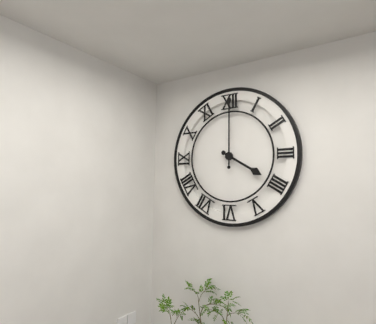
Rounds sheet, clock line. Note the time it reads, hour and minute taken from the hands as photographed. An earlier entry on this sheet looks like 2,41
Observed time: 4,00
